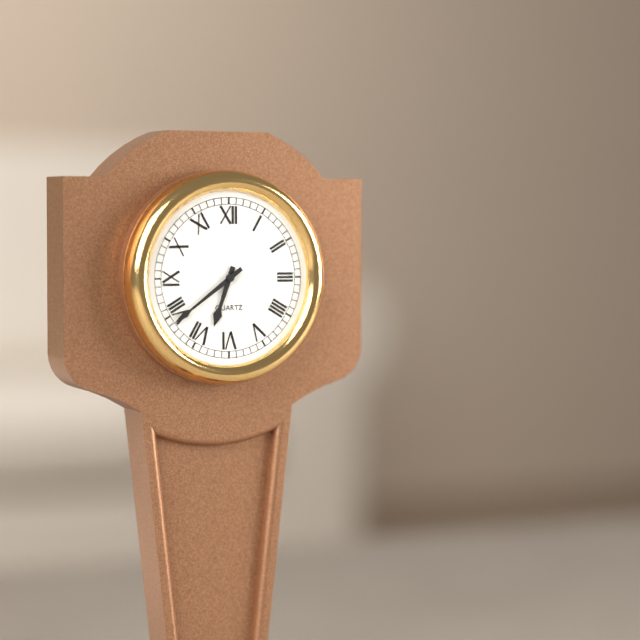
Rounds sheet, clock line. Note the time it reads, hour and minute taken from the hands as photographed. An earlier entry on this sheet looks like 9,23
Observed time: 6,39
